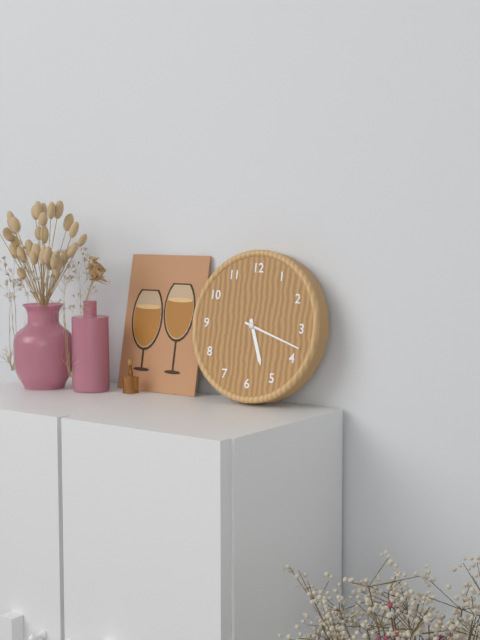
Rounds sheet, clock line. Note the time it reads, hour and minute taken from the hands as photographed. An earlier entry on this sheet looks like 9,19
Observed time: 5,18
